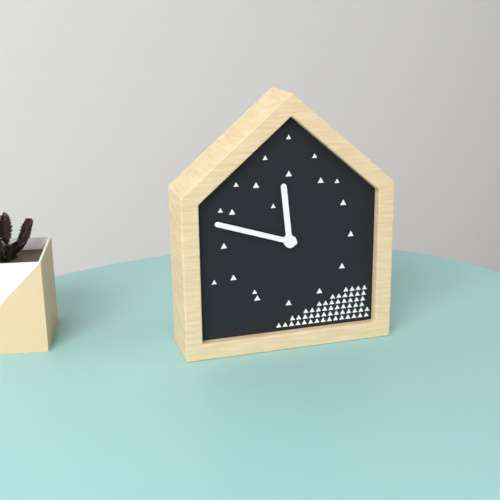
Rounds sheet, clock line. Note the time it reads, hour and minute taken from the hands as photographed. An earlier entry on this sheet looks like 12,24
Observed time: 11,48
